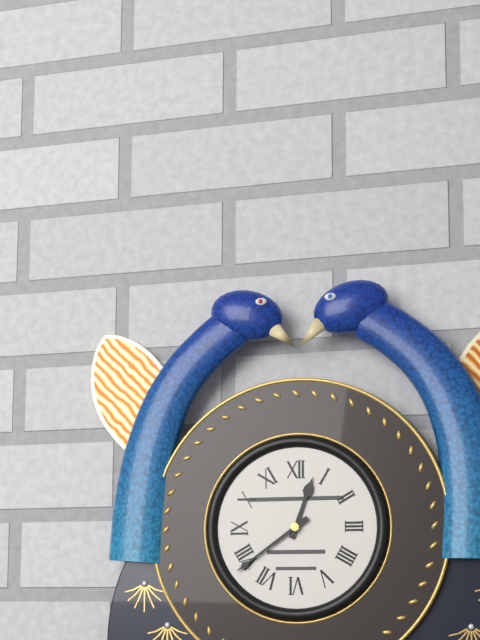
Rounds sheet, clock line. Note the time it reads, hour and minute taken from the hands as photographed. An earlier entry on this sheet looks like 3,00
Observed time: 12,39
